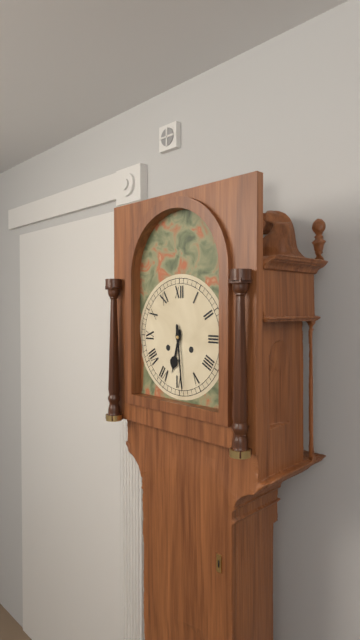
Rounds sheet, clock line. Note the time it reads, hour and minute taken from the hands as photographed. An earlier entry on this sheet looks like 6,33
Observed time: 6,29
